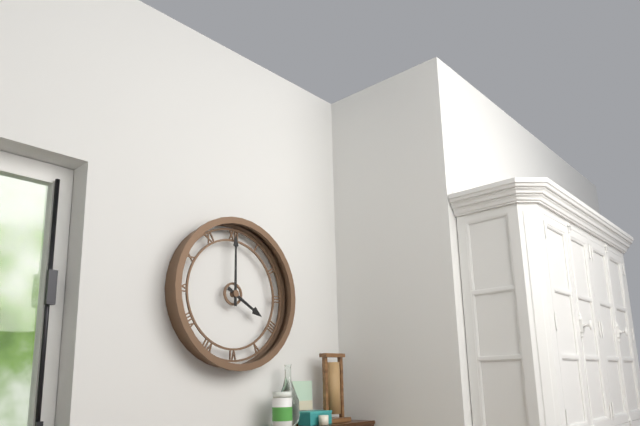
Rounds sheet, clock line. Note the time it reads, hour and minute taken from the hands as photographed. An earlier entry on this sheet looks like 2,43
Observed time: 4,00
